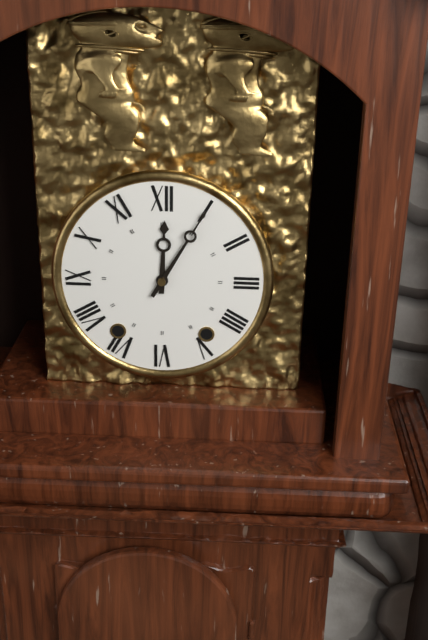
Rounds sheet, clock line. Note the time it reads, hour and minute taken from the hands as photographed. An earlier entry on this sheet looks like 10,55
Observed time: 12,05
